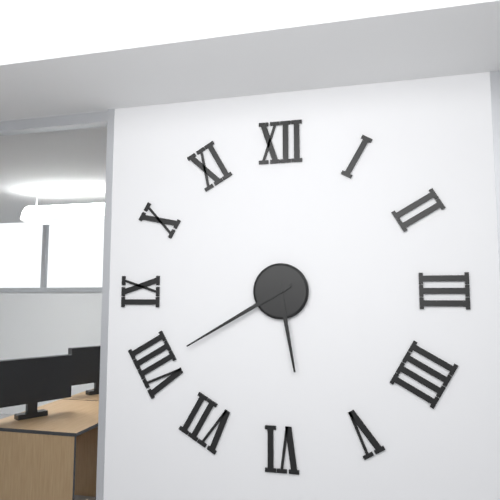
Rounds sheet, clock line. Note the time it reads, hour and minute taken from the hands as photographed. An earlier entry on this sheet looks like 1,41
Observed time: 5,40
